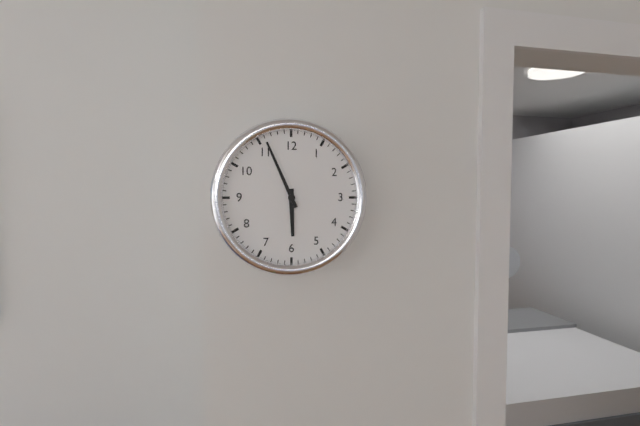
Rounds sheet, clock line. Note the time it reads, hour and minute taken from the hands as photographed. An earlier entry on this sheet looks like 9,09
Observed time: 5,56
